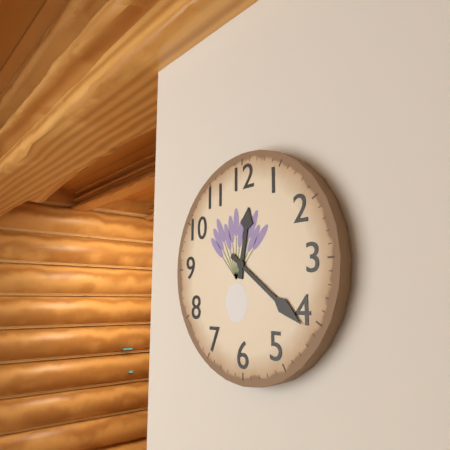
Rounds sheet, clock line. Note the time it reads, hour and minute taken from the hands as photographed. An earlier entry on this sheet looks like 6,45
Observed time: 12,21
